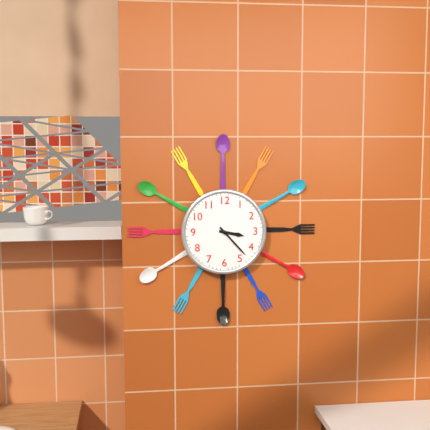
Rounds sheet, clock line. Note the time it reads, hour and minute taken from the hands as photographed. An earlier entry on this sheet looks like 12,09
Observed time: 3,23
